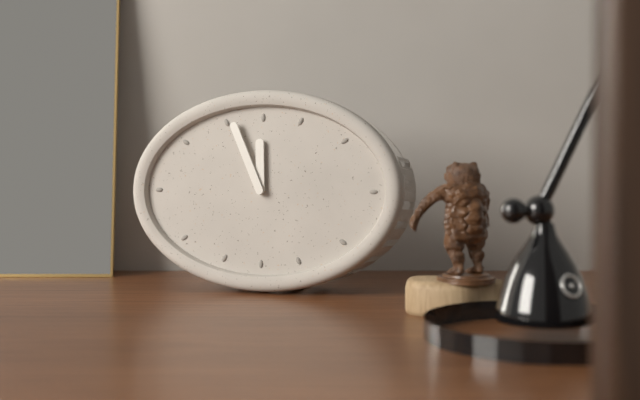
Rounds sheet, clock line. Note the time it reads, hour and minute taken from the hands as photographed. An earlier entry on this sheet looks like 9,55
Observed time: 11,56
